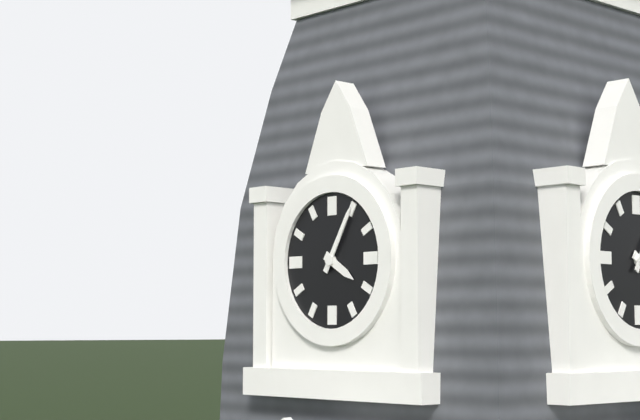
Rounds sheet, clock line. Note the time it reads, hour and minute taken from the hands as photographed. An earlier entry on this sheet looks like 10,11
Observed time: 4,05
